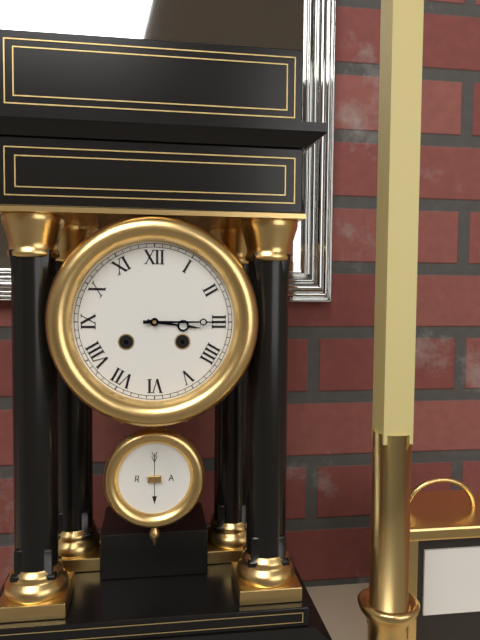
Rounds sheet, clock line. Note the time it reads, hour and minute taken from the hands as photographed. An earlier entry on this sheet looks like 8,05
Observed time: 3,15
